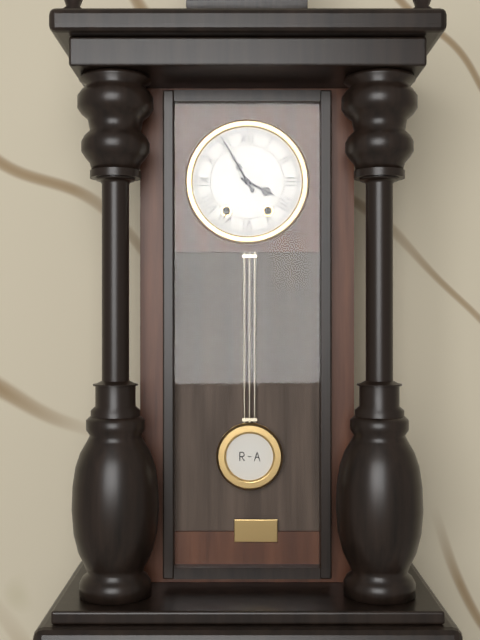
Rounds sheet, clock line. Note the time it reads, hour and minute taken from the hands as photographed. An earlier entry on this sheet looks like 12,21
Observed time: 3,55
